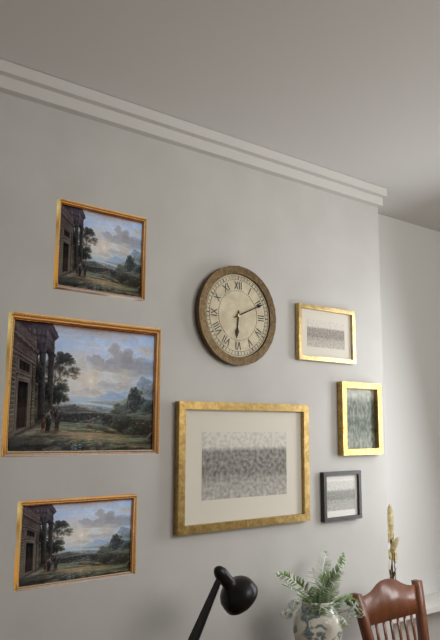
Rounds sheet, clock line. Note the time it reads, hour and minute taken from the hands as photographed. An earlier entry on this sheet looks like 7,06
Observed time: 6,11
